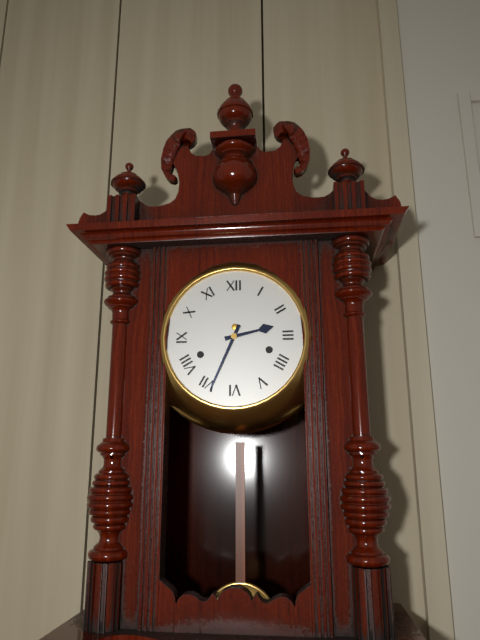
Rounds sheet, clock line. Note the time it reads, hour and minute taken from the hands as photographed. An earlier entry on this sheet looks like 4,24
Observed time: 2,34
